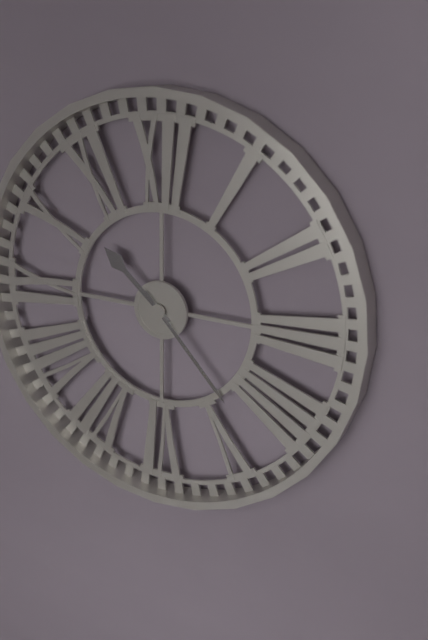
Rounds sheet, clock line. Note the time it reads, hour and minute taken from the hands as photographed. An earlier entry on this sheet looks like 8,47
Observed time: 10,23
